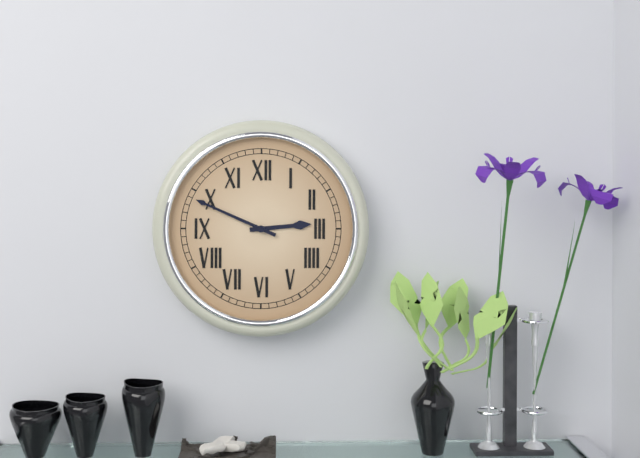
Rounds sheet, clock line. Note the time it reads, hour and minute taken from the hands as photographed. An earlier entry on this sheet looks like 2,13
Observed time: 2,49
